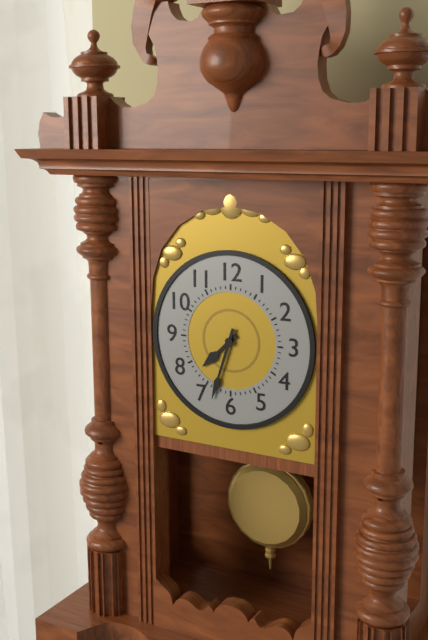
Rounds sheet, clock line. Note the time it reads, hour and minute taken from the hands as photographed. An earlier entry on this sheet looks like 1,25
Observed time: 7,33
